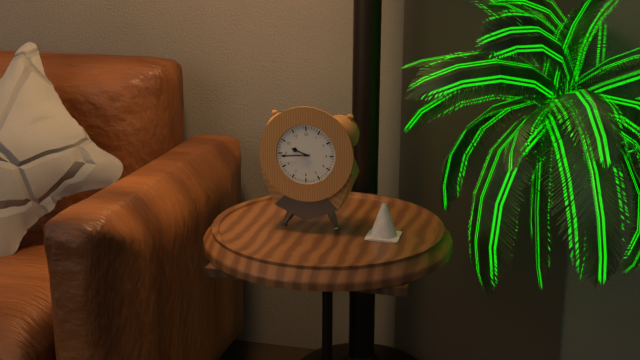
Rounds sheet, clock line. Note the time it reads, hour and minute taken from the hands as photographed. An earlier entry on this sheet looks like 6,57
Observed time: 9,44
